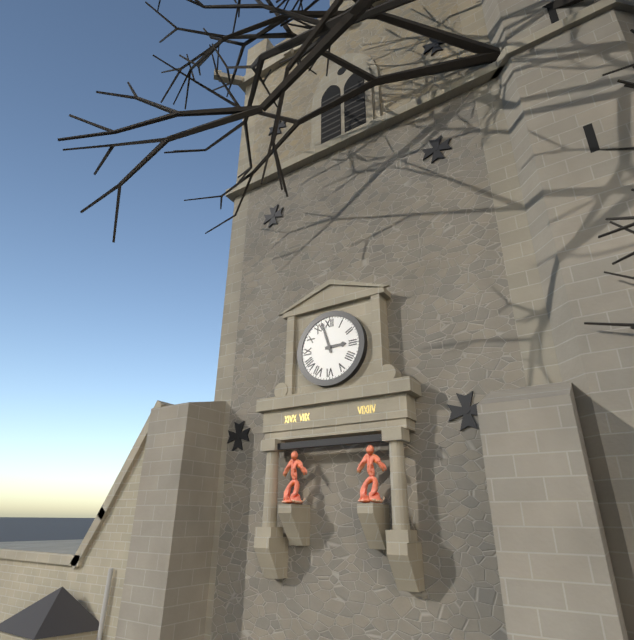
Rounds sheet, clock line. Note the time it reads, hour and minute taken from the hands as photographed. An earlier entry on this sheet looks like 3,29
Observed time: 2,57
